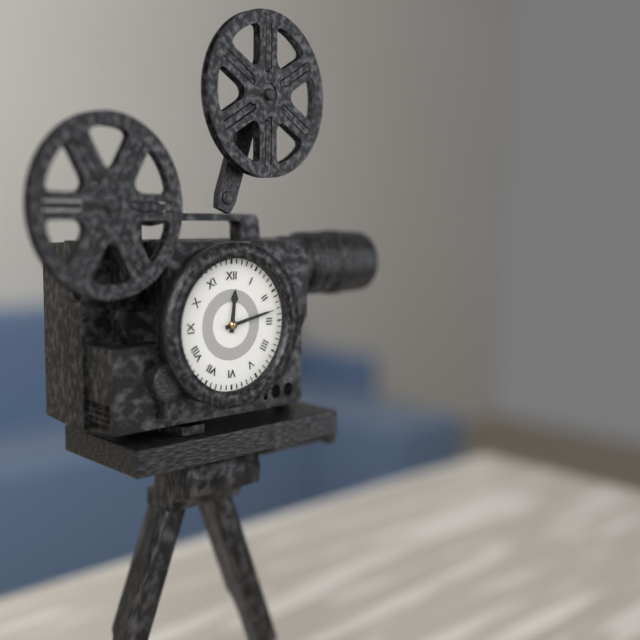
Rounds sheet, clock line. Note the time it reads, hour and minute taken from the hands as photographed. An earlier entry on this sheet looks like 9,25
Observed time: 12,13
